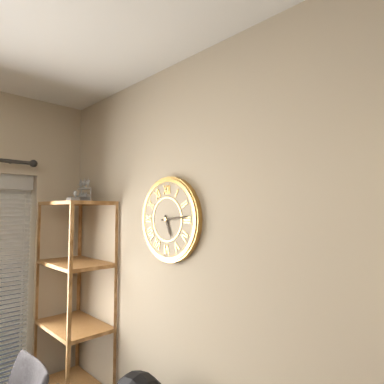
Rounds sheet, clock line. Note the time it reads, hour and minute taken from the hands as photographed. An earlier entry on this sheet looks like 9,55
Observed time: 5,14
